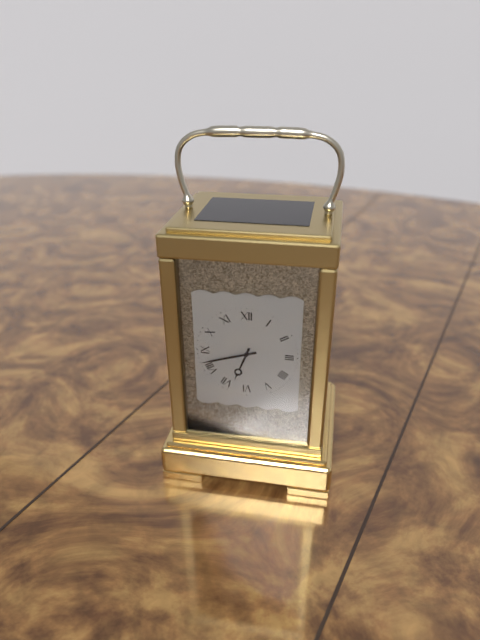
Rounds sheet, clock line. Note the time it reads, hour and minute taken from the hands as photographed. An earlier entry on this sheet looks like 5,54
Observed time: 6,42
